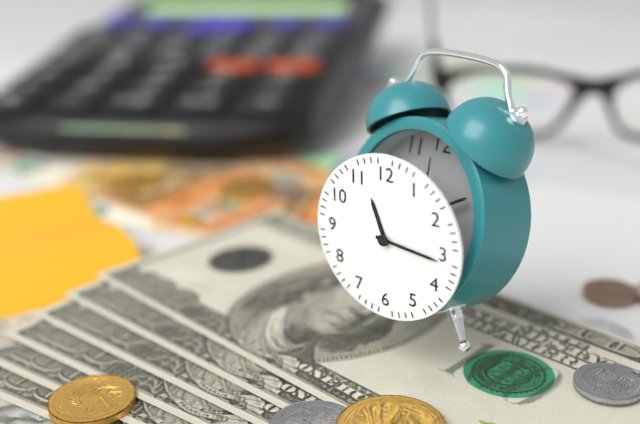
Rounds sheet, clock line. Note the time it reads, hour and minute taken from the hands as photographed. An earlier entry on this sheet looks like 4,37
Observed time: 11,16
